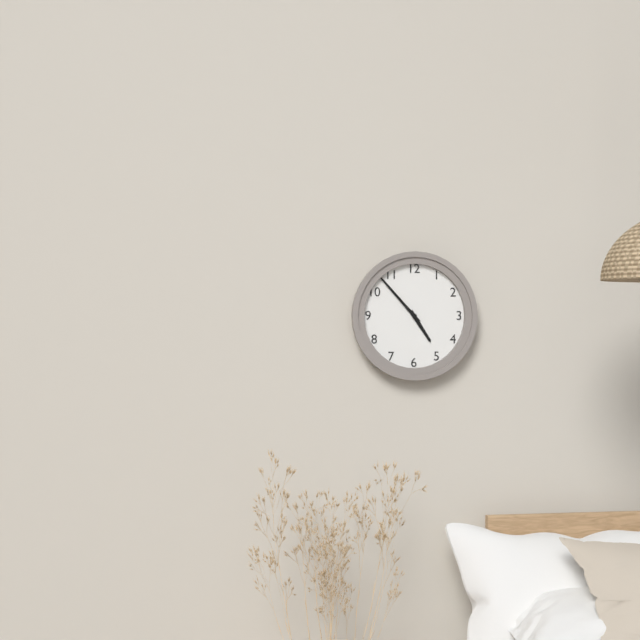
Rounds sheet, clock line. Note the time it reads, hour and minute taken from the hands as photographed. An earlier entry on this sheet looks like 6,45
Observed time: 4,53
